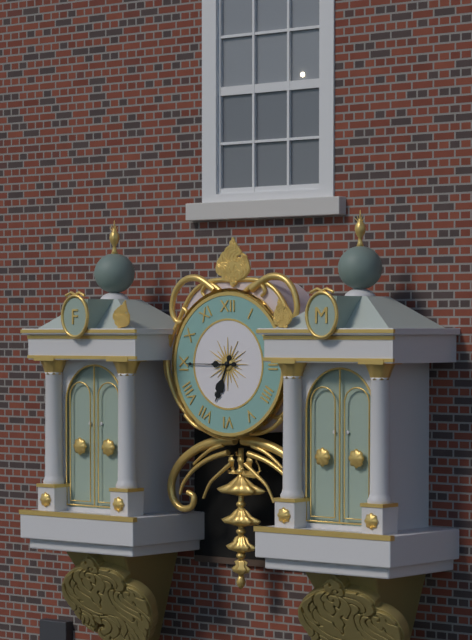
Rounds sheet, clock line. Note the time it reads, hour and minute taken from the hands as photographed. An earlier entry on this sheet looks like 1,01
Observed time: 6,45
